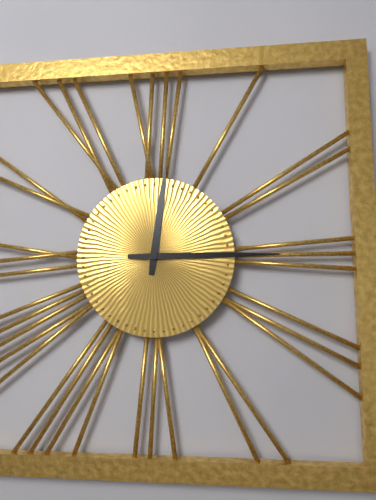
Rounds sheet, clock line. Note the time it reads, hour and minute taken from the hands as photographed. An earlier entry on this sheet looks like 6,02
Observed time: 12,15
